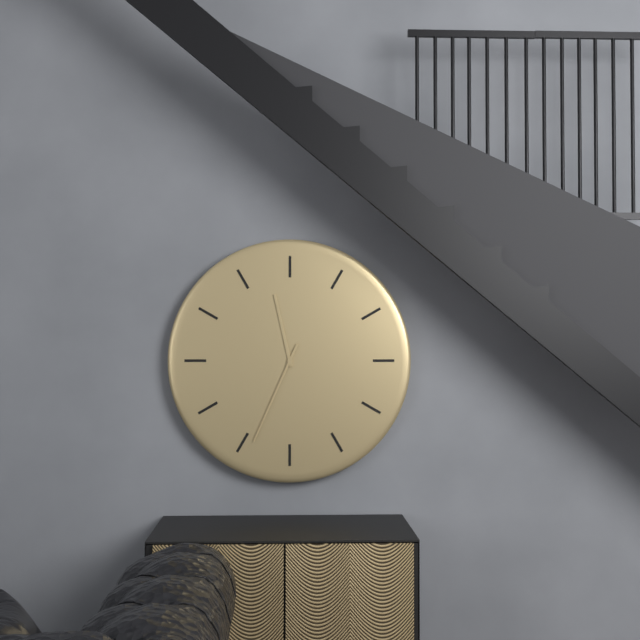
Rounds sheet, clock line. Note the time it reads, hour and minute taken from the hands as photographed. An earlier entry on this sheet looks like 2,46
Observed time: 11,34
